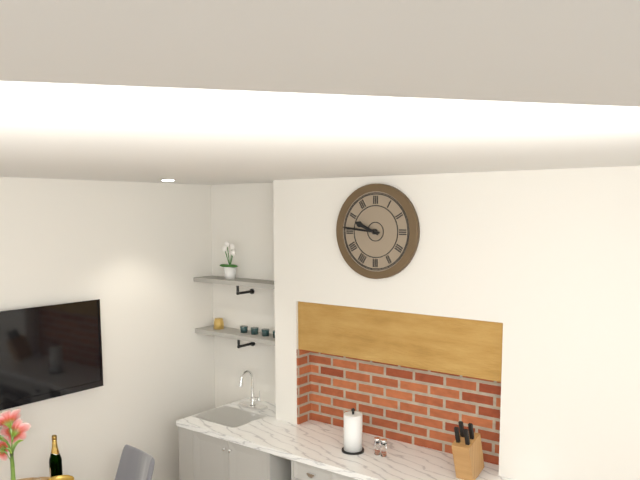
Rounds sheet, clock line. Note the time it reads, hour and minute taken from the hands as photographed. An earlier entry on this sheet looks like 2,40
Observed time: 9,46
